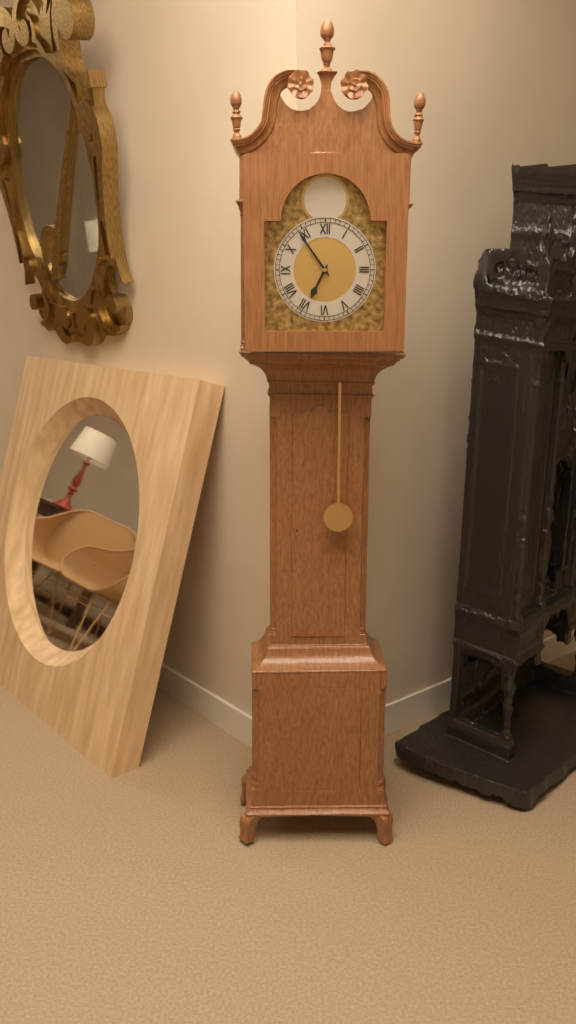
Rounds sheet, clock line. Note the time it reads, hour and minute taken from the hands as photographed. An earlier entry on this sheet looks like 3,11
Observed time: 6,54
